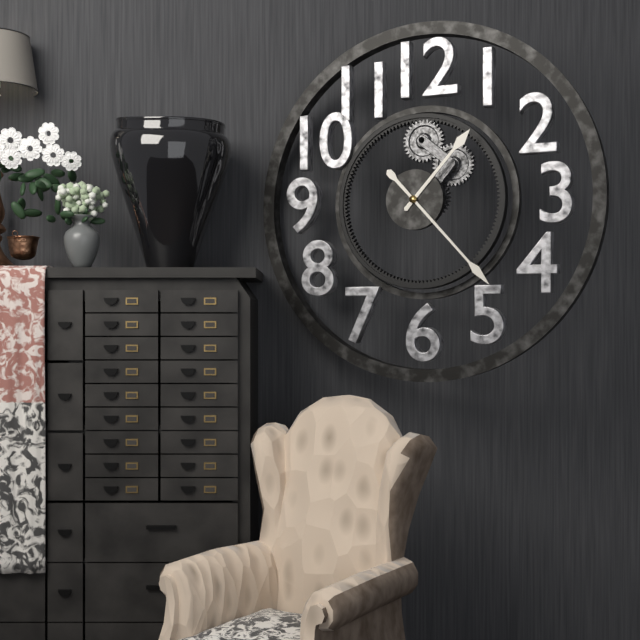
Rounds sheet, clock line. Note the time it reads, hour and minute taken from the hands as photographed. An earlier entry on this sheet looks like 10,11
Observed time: 1,23
